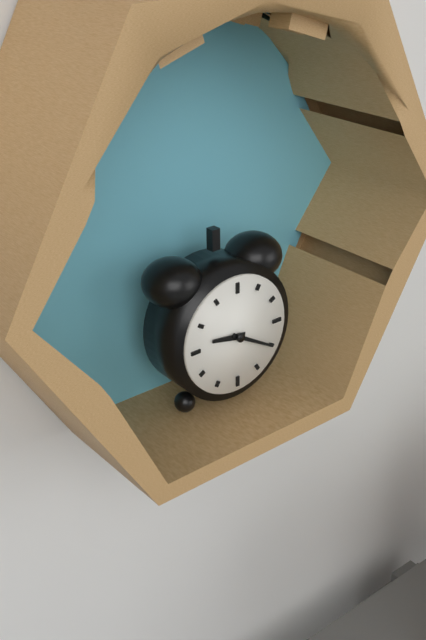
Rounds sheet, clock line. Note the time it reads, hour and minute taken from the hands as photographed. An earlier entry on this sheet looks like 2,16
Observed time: 9,20
